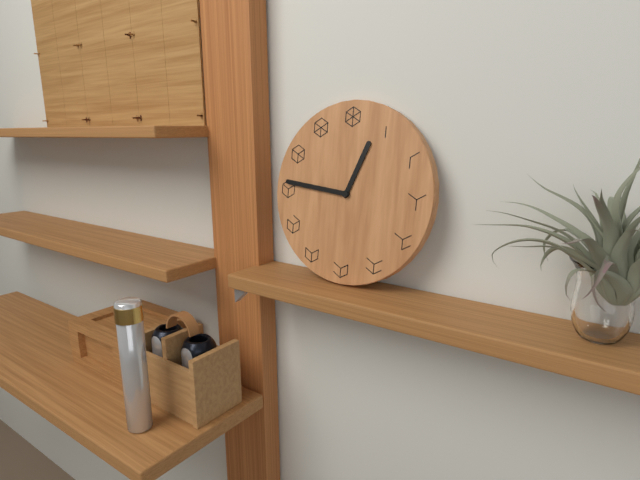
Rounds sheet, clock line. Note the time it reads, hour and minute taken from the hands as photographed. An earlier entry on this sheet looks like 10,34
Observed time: 12,46
